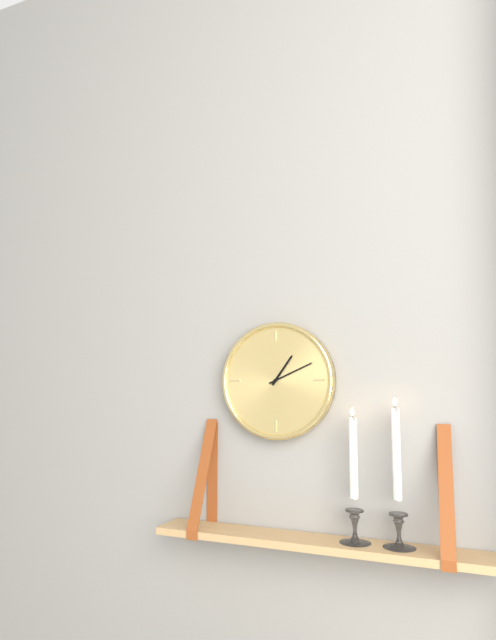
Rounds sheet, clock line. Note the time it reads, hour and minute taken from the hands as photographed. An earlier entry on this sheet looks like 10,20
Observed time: 1,11
